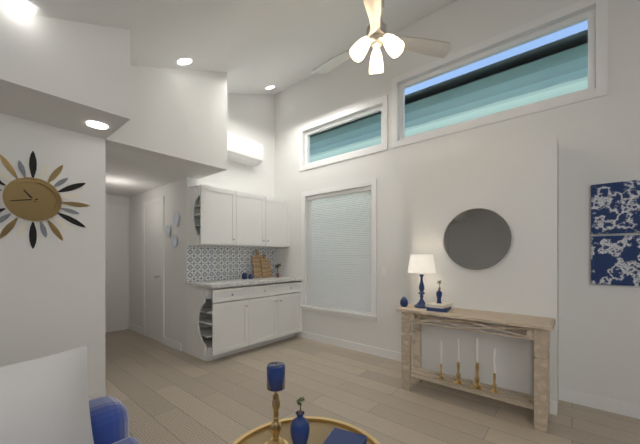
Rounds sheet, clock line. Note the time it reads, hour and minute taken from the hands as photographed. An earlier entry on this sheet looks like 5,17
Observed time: 10,43
